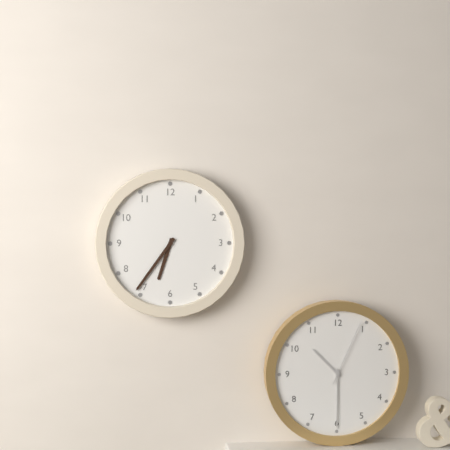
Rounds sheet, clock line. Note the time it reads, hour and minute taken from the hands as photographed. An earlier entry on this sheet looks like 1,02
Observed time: 6,36
